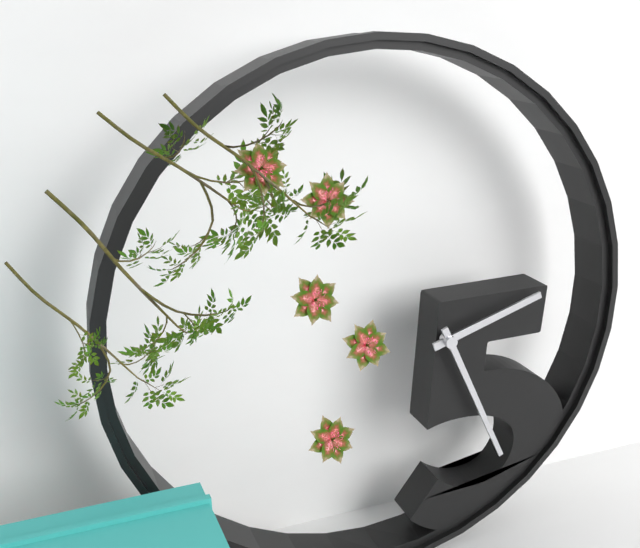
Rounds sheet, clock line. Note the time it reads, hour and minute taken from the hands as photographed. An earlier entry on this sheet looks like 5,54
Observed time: 2,26
